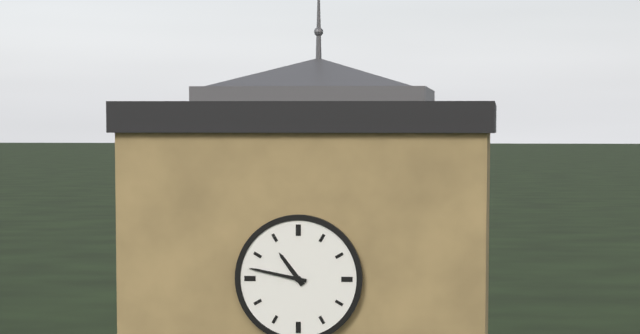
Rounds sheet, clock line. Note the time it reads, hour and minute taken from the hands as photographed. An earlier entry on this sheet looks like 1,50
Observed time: 10,47
